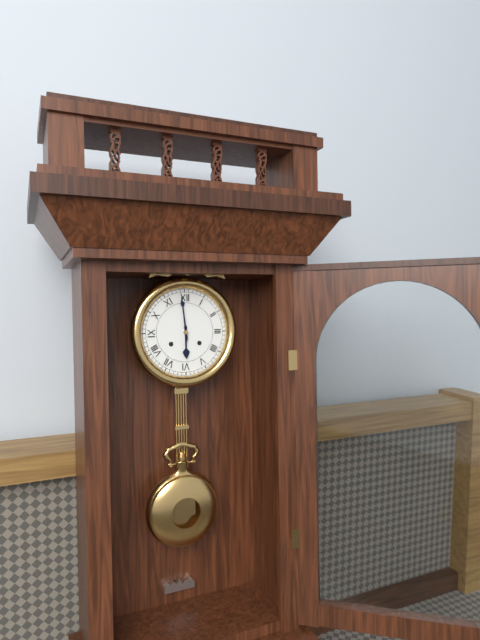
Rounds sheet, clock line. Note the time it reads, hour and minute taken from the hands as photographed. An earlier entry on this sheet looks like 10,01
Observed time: 5,59
